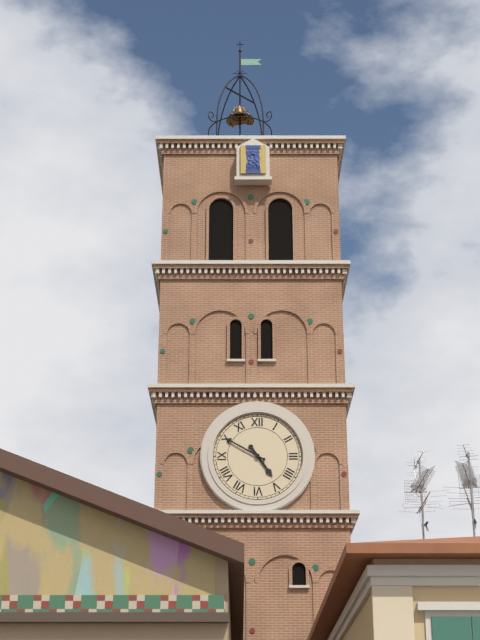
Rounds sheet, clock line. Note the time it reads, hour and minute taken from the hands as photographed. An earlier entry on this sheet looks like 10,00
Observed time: 4,50
